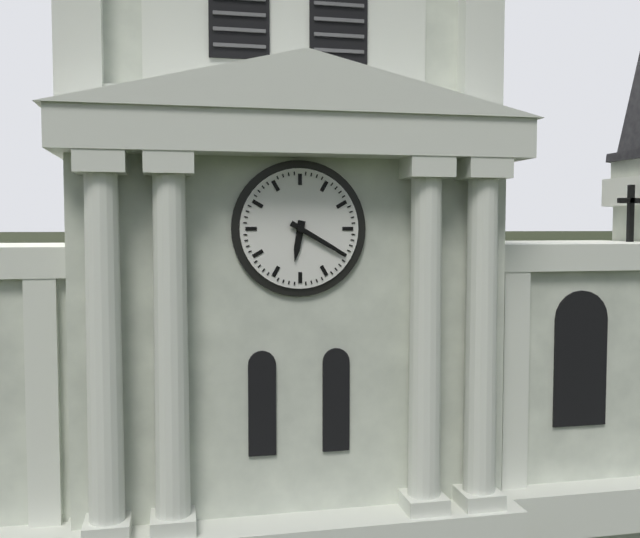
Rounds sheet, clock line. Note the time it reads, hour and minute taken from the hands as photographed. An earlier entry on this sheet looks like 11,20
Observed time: 6,20
